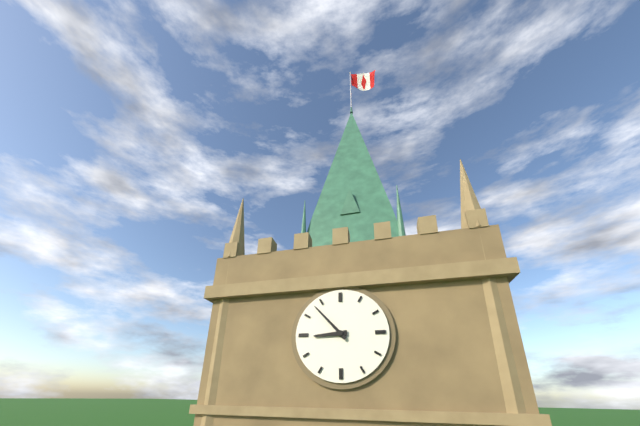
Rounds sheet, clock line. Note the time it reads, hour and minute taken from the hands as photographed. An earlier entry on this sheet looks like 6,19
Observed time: 8,53
